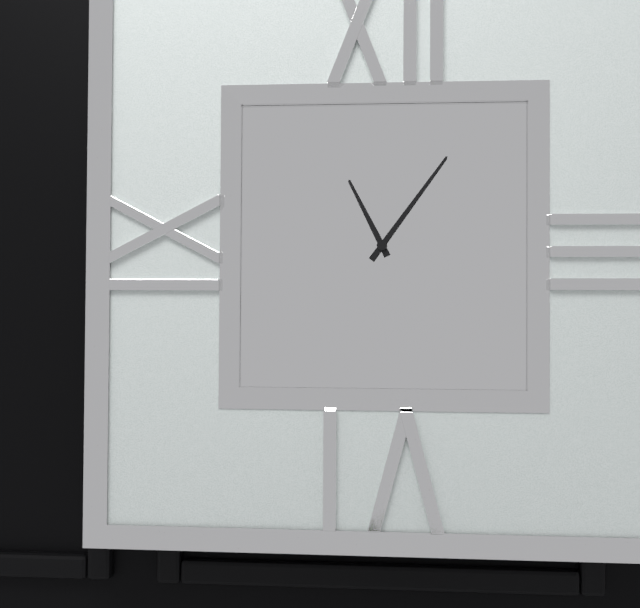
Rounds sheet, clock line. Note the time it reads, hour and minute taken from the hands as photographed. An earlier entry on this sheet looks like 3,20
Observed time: 11,06
